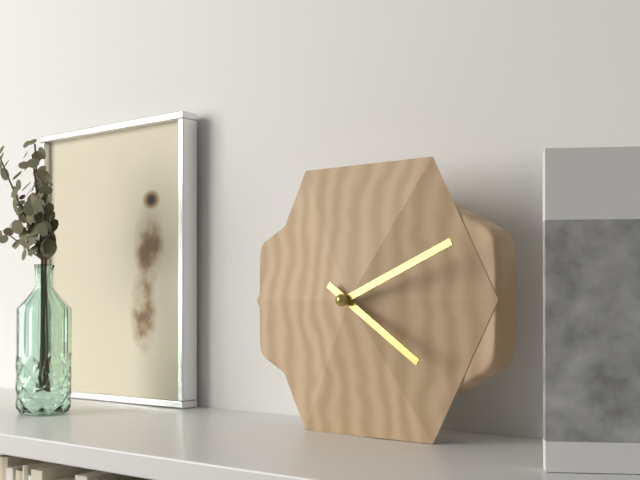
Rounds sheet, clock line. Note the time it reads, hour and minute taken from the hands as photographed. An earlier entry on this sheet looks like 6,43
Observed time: 4,11
